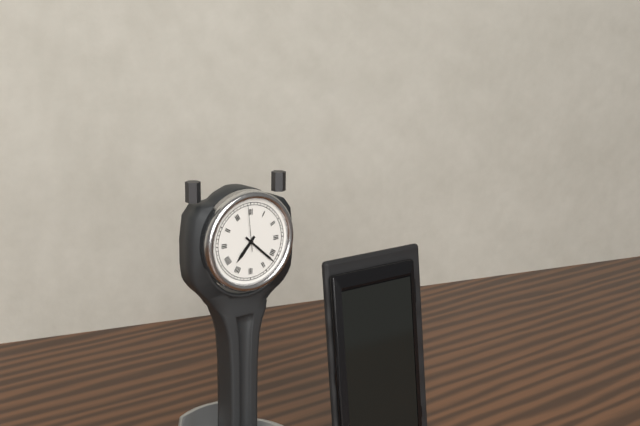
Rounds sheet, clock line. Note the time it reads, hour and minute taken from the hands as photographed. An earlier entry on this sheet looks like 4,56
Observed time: 7,22
